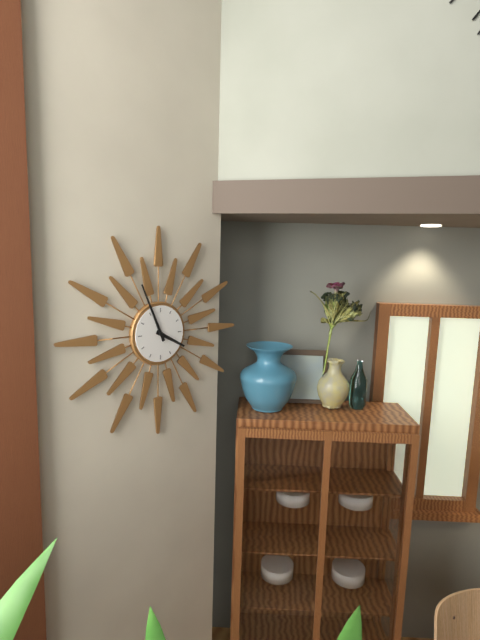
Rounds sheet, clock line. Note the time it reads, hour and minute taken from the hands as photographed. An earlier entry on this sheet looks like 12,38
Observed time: 3,56
